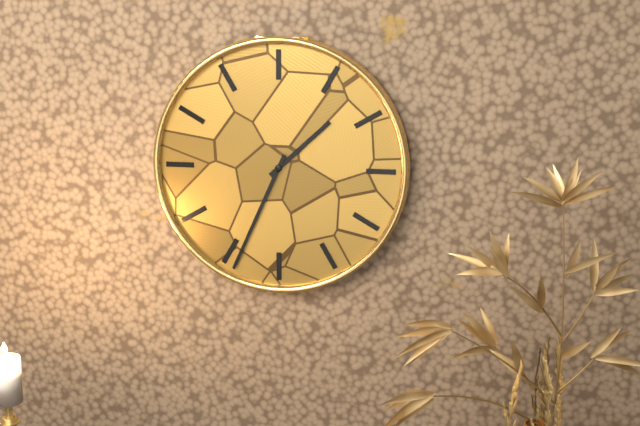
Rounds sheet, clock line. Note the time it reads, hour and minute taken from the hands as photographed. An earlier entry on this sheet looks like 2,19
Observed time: 1,34
